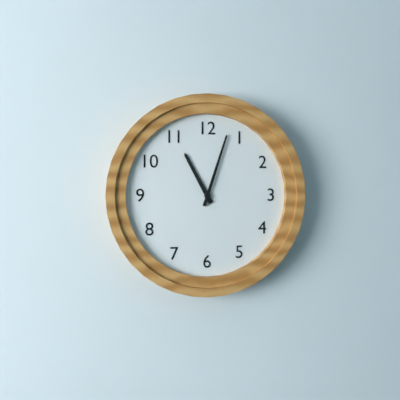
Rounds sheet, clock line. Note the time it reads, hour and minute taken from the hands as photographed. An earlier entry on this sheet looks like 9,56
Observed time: 11,03
